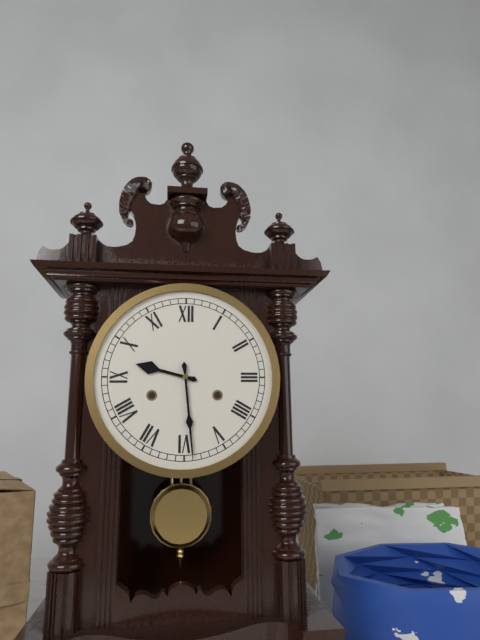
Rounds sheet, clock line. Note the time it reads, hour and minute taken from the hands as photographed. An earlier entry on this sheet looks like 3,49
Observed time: 9,29
